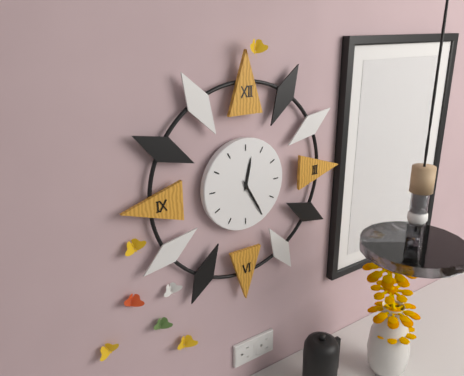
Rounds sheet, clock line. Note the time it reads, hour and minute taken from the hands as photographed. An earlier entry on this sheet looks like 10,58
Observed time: 12,25
